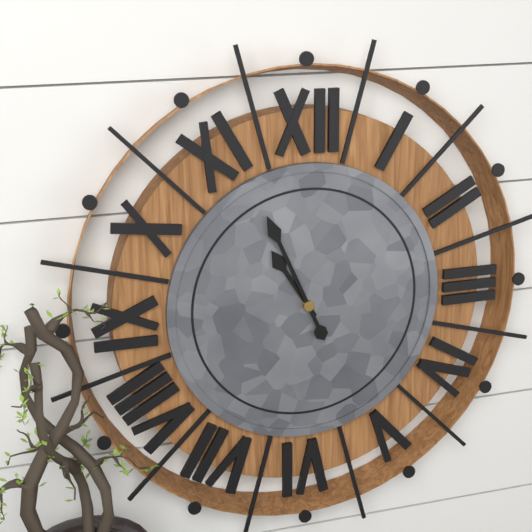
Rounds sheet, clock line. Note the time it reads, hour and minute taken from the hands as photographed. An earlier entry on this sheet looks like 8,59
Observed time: 10,56
